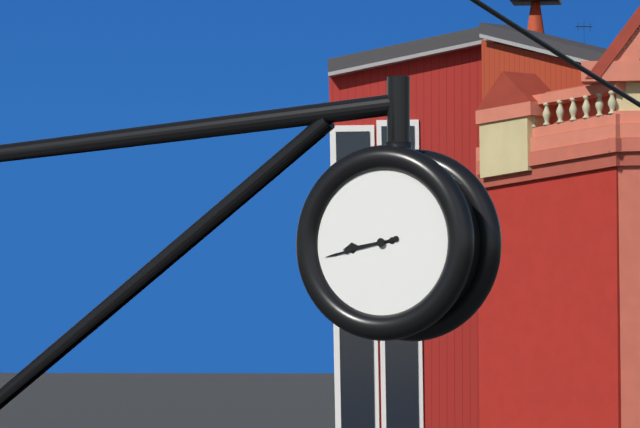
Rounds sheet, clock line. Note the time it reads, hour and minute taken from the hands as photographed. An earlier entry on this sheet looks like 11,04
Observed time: 8,43
